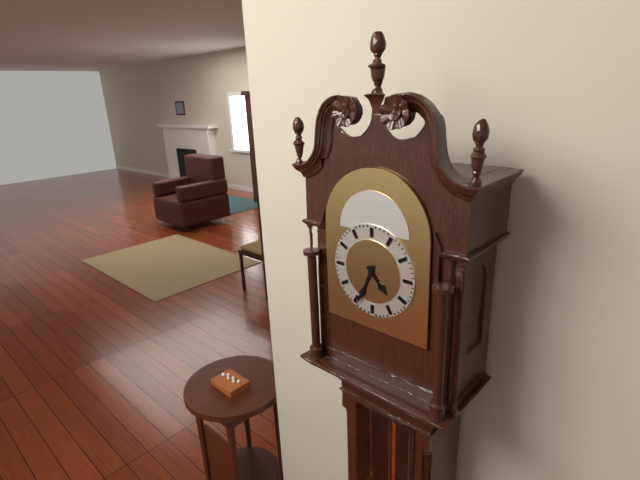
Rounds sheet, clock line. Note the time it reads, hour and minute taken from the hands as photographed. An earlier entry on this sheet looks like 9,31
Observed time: 4,34
